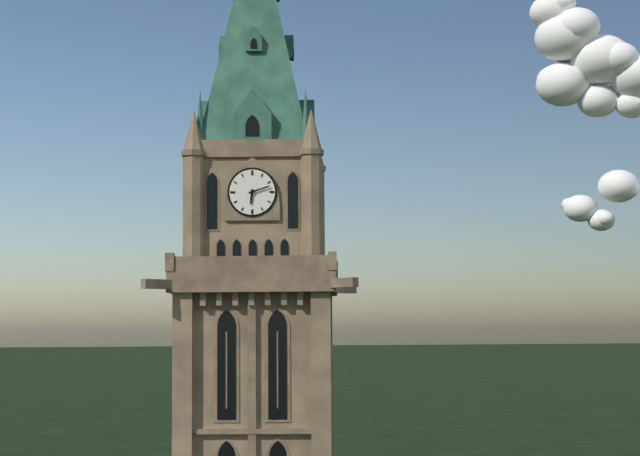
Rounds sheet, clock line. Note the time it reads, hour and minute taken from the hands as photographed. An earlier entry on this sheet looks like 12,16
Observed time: 6,12
